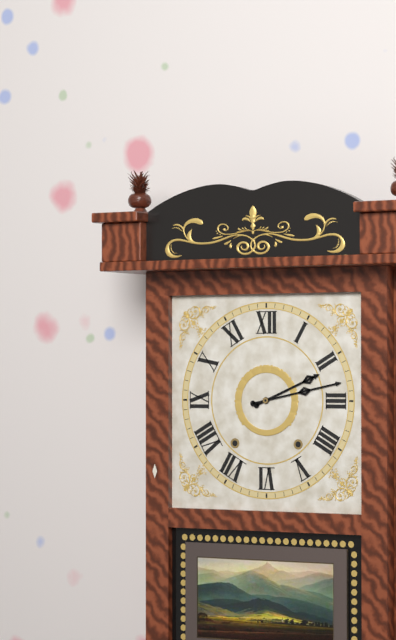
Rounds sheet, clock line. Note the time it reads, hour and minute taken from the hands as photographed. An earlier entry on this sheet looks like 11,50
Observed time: 2,13
